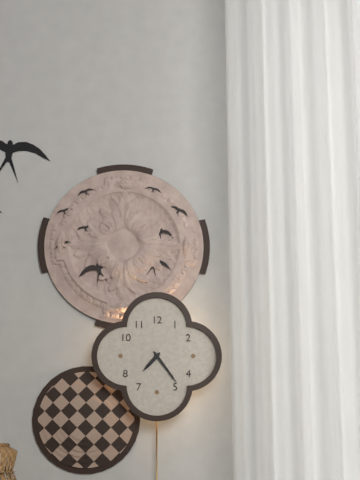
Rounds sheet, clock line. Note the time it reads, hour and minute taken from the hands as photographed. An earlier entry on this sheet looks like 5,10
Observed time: 7,24
